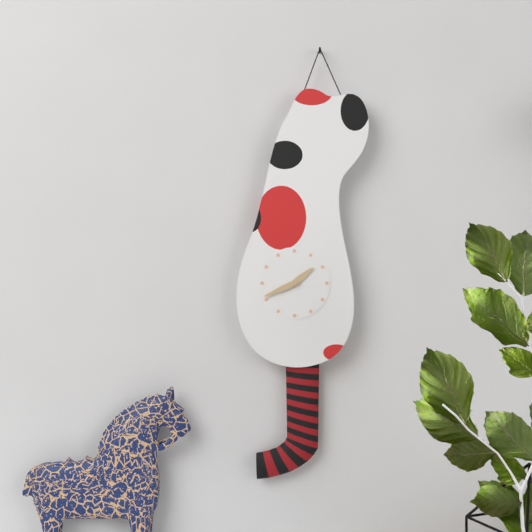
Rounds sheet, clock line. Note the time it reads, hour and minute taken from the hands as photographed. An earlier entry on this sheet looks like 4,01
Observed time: 1,41
